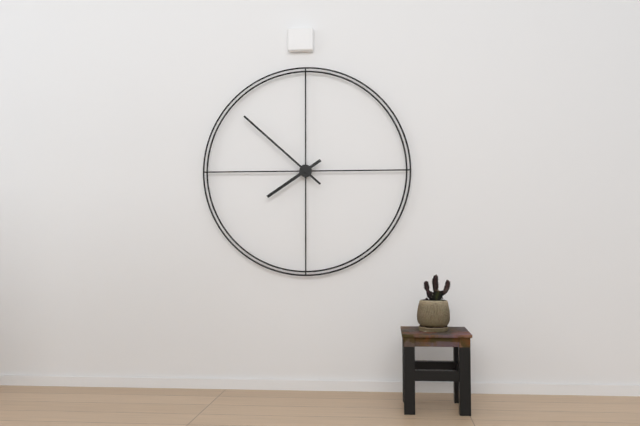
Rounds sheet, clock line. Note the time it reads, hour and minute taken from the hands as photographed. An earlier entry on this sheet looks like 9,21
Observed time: 7,52
